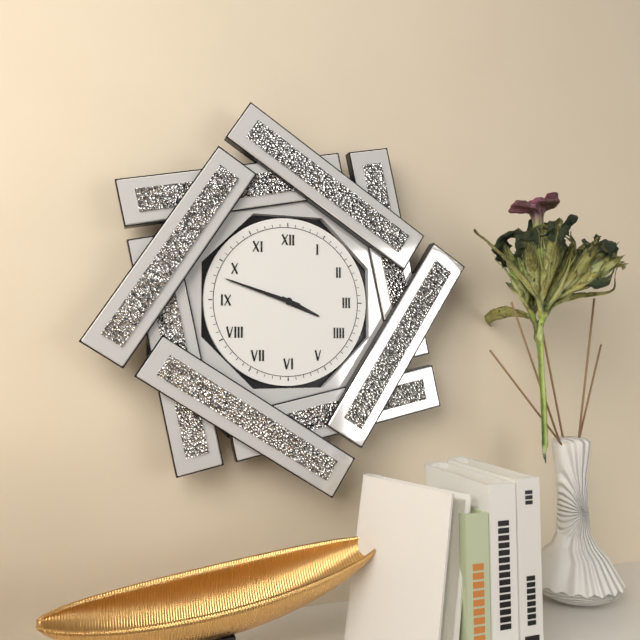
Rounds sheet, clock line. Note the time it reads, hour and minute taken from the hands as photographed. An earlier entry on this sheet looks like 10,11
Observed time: 3,48
